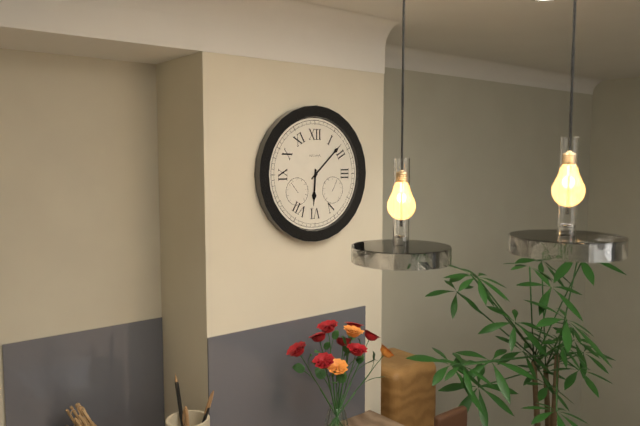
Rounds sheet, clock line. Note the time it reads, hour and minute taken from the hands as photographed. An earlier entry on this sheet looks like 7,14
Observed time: 6,08
